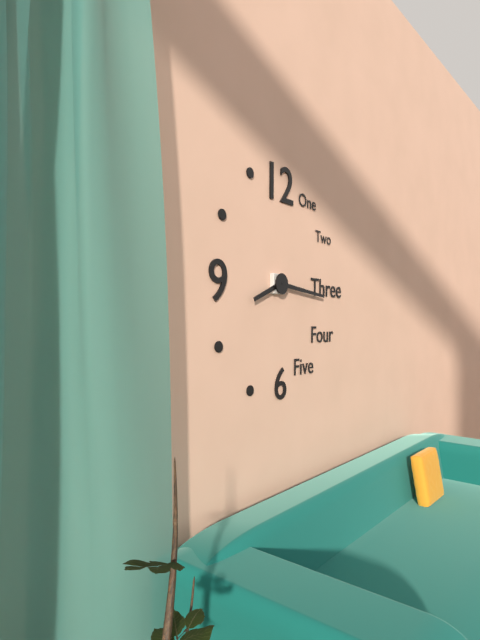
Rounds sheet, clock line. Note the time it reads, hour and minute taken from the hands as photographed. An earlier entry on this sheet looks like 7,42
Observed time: 8,16
